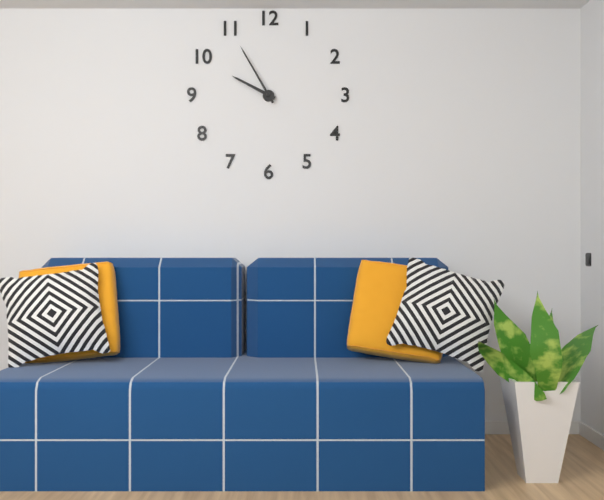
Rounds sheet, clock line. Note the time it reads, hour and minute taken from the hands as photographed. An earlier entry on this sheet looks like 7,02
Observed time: 9,55
